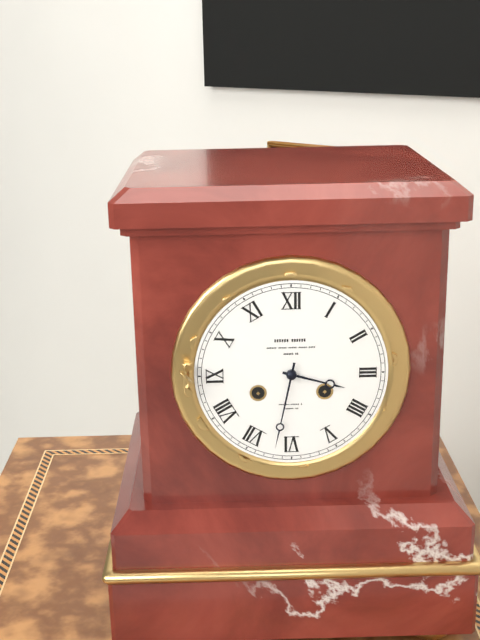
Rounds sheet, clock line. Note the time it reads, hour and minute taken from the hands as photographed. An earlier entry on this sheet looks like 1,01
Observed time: 3,32
